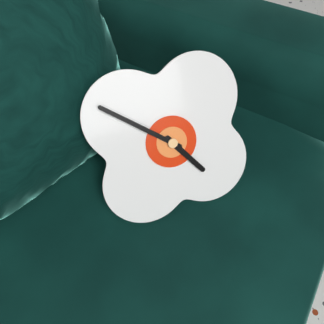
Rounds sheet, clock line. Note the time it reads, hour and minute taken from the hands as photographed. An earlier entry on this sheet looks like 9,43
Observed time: 4,52
